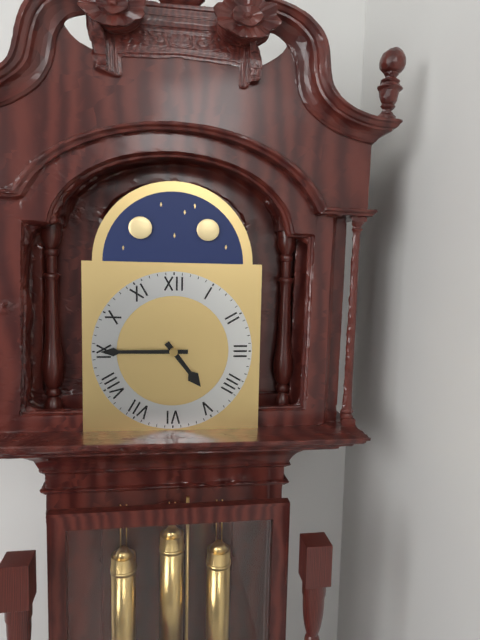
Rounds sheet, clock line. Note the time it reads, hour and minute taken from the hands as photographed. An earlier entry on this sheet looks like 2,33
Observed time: 4,45
